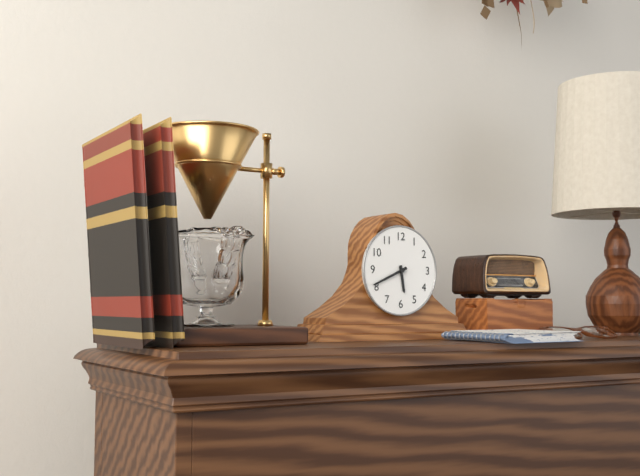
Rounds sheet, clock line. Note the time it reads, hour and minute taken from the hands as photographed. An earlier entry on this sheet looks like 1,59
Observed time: 5,41
